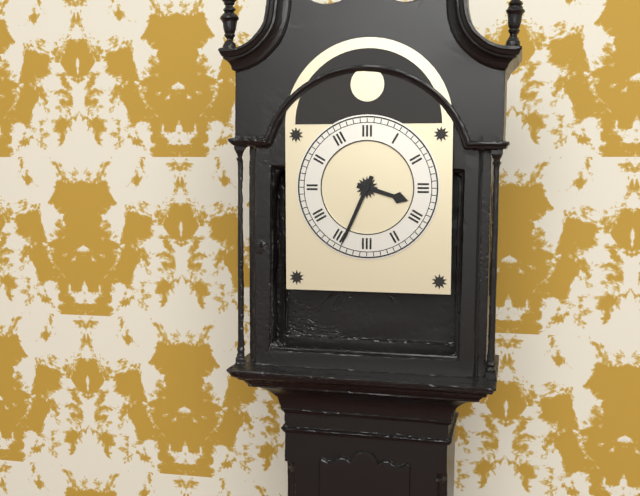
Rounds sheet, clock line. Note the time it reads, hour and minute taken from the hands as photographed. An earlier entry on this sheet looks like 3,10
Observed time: 3,34
